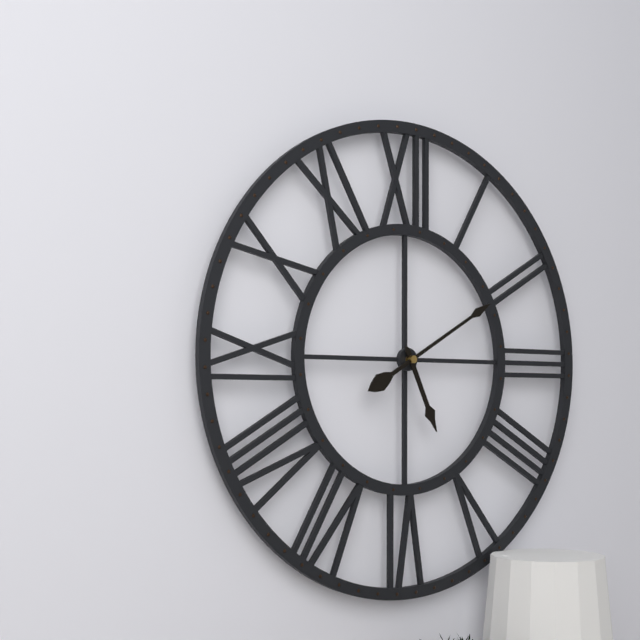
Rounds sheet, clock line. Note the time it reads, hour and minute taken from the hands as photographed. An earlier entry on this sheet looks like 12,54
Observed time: 5,10
